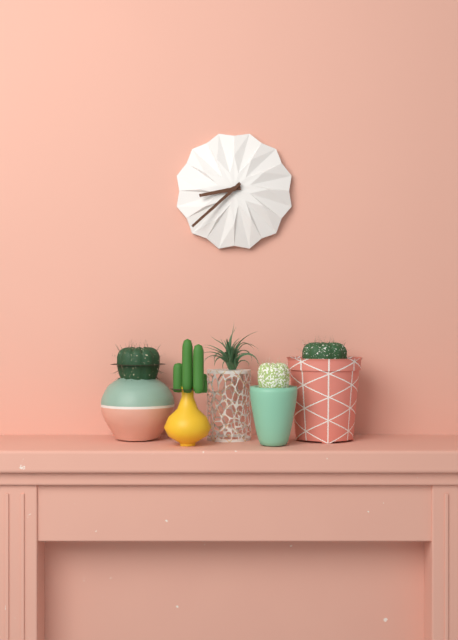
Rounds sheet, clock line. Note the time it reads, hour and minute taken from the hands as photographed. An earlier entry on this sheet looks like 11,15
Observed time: 8,38
